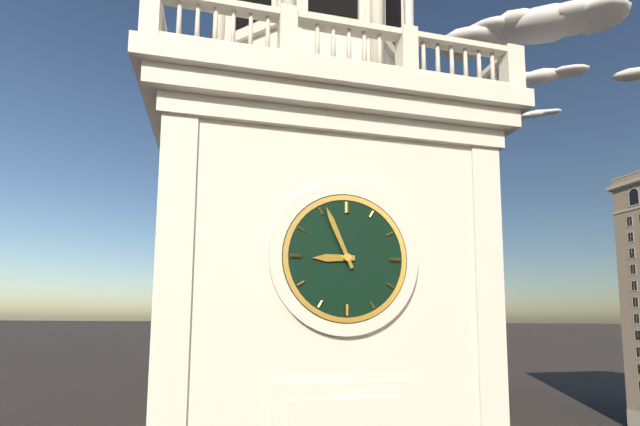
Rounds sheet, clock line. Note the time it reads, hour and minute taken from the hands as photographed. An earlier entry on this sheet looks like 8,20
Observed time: 8,56
